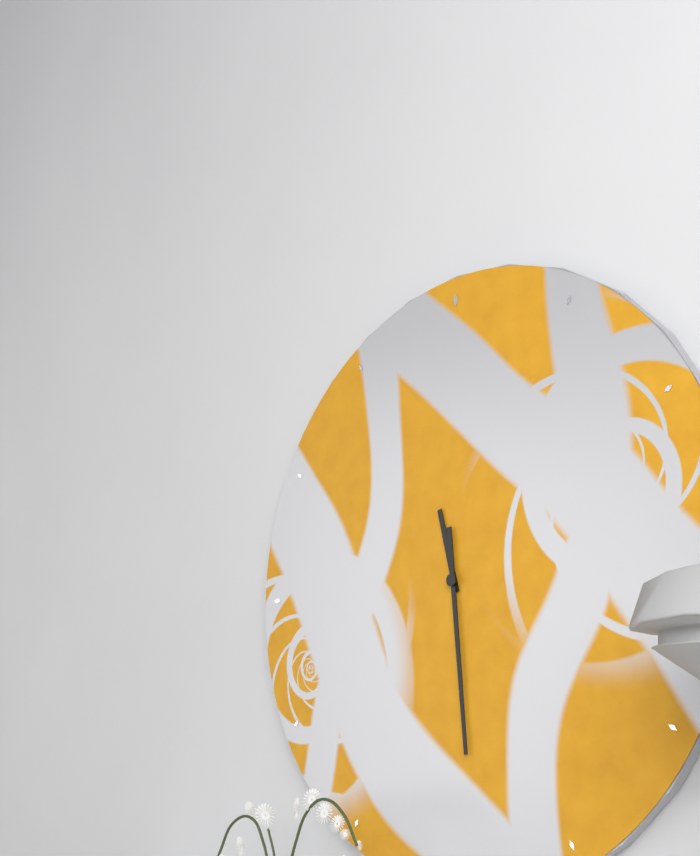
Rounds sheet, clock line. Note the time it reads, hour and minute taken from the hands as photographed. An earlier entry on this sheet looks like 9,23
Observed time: 11,29
